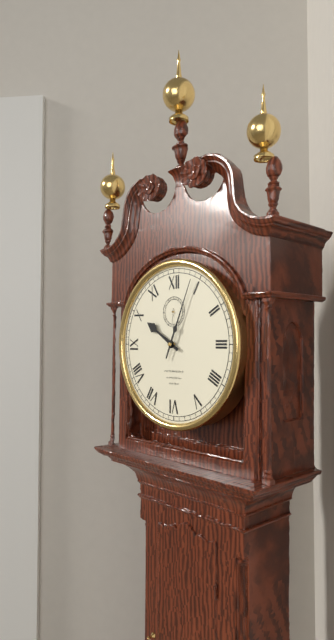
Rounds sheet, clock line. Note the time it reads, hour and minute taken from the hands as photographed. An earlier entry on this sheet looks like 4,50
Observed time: 10,04
